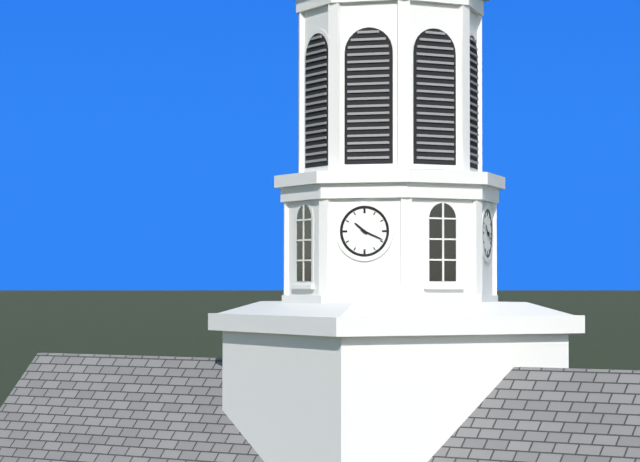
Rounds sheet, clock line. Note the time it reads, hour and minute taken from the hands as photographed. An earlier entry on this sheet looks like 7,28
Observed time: 10,19
